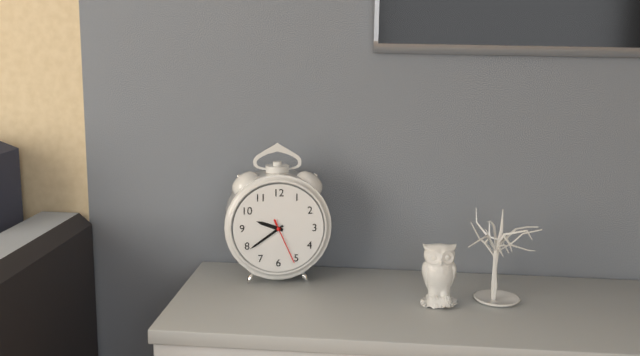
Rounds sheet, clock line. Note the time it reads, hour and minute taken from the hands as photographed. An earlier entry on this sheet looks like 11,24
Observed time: 9,39
